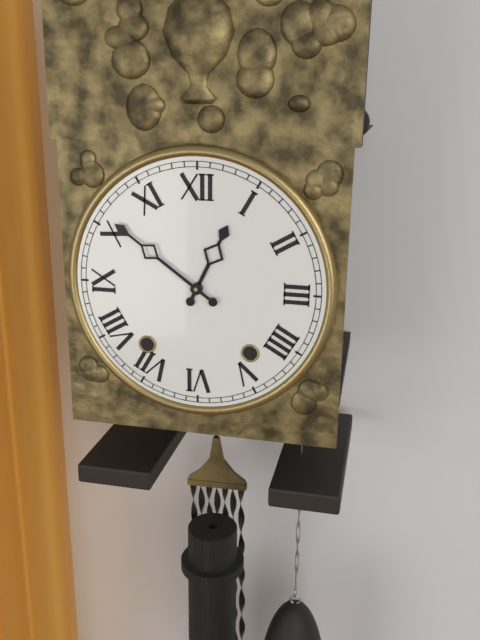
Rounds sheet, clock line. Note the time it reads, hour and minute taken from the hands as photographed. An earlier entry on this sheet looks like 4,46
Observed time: 12,51
